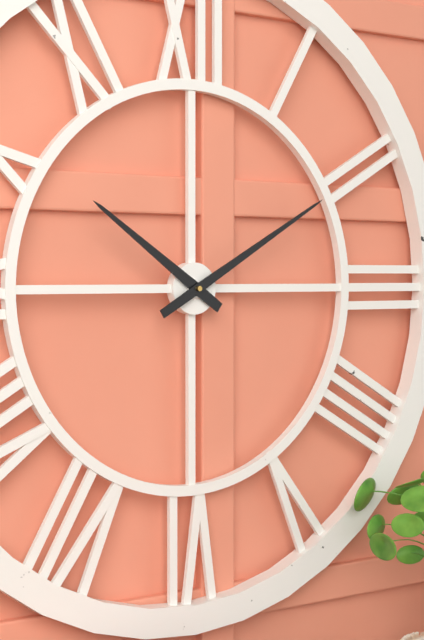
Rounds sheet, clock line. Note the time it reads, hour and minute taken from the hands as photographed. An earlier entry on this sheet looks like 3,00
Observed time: 10,10
